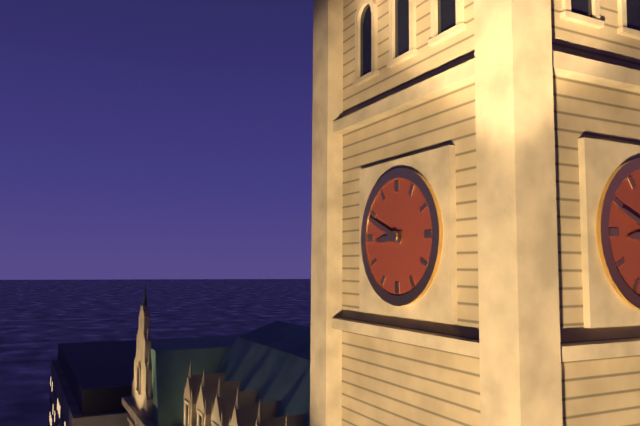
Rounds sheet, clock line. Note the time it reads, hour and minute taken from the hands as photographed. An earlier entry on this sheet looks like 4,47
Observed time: 8,49
